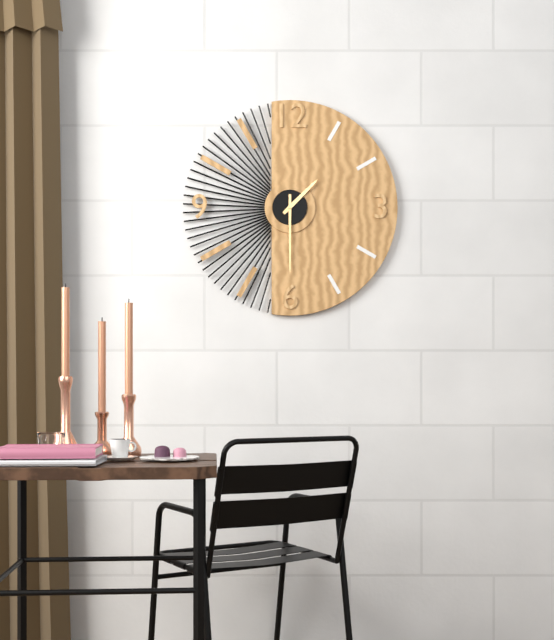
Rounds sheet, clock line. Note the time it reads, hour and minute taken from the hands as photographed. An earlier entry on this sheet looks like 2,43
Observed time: 1,30
